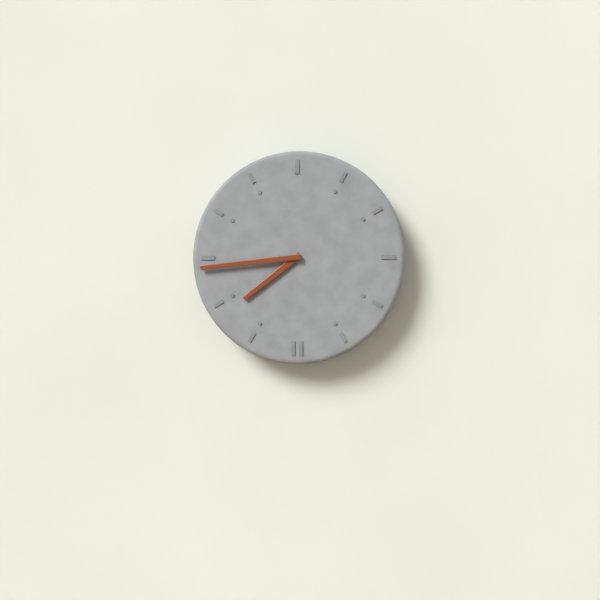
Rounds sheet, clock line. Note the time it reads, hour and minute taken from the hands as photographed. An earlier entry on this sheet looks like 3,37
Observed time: 7,44
